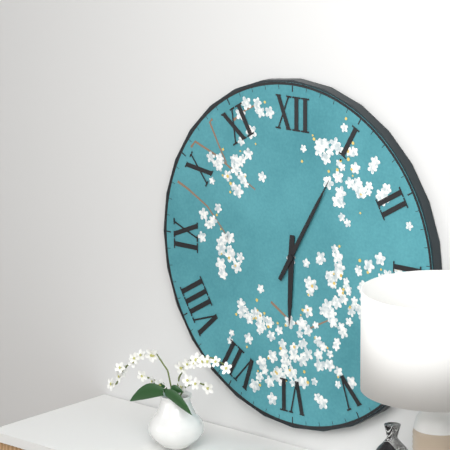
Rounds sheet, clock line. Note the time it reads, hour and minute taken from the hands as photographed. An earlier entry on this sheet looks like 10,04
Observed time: 6,05
